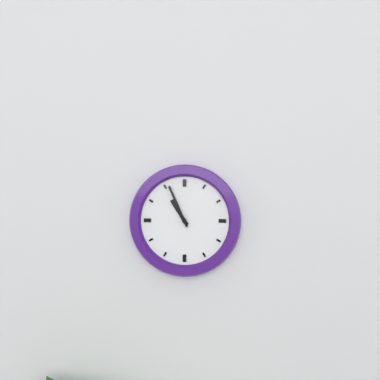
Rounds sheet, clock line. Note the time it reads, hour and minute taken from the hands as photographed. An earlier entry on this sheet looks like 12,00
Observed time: 10,56
